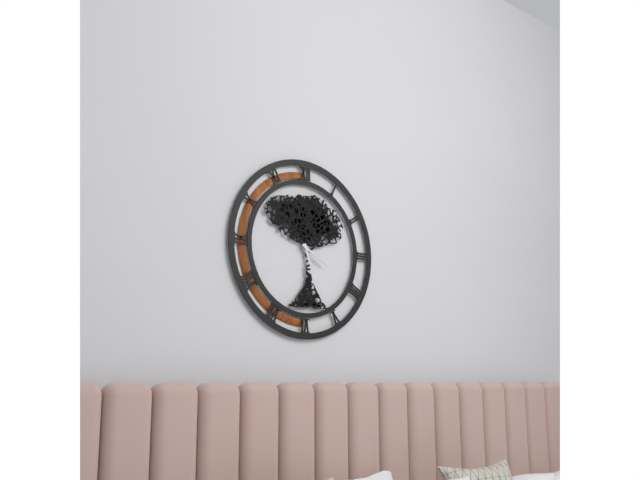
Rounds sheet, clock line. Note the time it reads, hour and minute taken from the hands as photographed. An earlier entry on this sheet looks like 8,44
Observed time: 5,20
